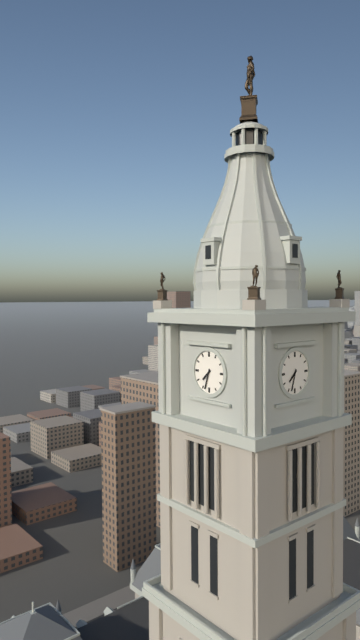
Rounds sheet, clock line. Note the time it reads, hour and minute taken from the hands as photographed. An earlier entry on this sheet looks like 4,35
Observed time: 7,33
